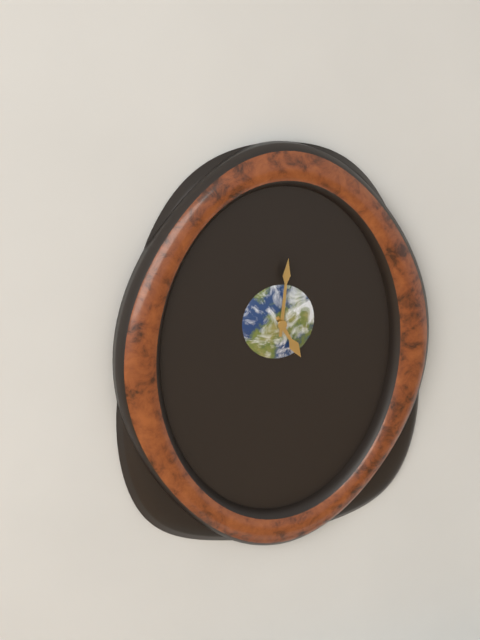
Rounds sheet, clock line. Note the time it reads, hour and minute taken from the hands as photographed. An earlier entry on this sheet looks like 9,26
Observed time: 5,01
